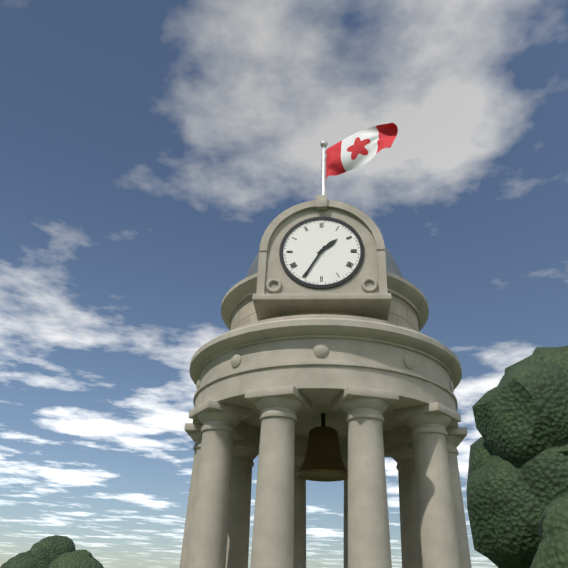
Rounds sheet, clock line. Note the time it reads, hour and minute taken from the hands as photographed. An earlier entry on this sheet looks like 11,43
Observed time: 1,35
